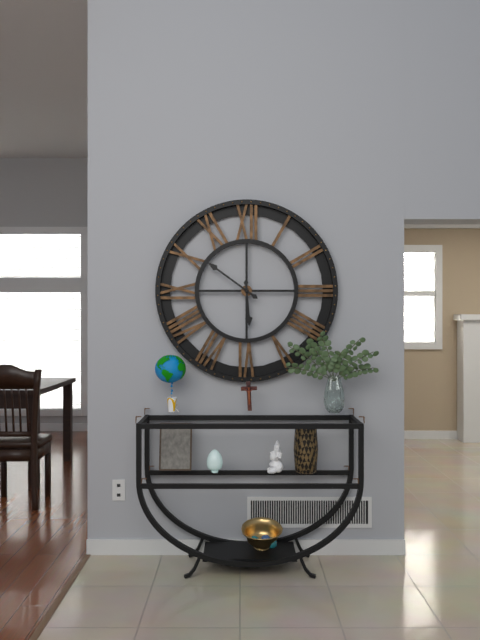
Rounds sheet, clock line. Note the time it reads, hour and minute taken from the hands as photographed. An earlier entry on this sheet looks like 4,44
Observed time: 5,51
